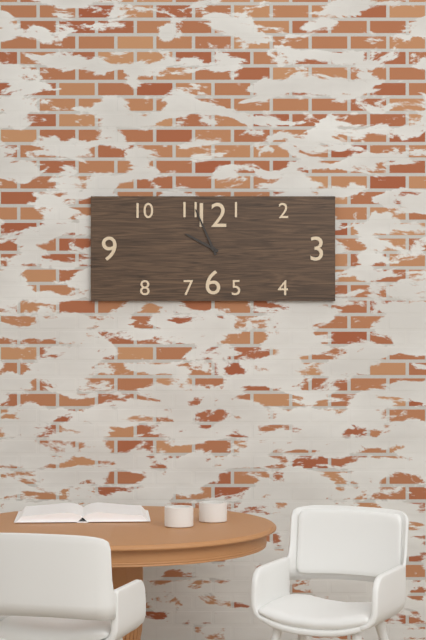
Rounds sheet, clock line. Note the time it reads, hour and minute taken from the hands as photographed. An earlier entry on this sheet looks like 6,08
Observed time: 9,56
